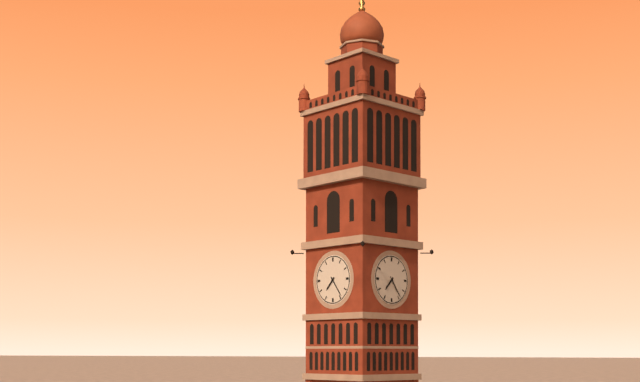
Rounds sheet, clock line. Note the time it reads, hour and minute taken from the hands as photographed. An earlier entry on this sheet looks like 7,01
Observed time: 7,24
